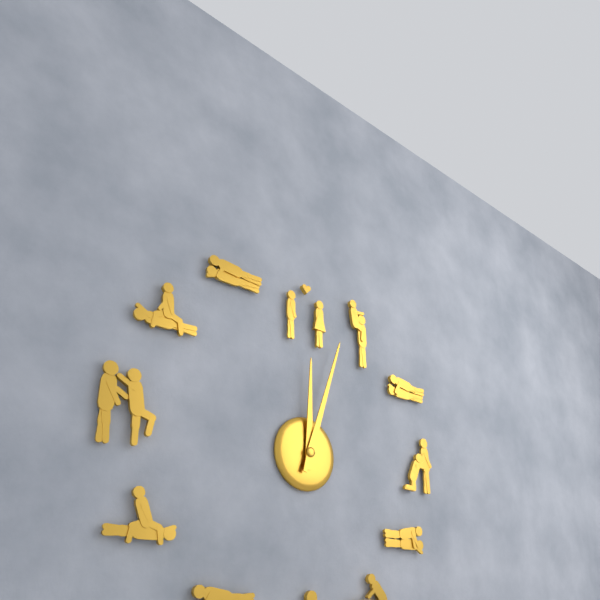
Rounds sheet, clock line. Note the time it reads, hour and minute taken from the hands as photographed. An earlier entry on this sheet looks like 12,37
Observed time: 12,03
